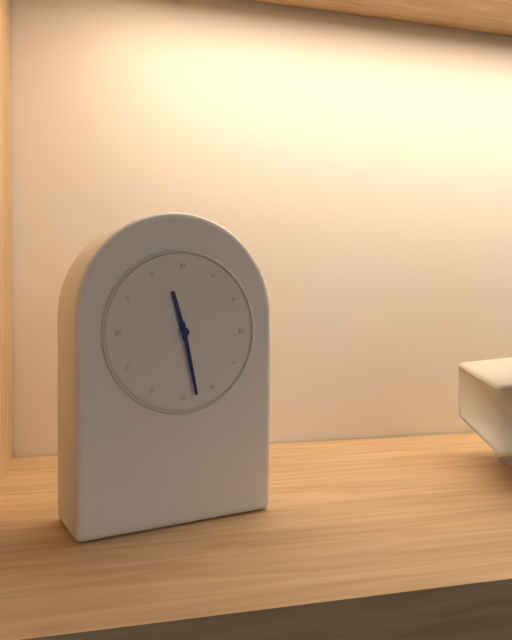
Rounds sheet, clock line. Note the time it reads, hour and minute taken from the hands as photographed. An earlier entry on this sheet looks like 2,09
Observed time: 11,28
